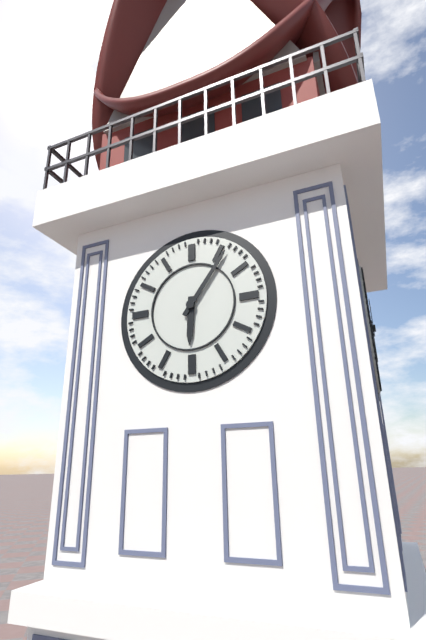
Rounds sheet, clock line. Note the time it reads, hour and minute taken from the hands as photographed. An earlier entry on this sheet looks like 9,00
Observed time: 6,06
